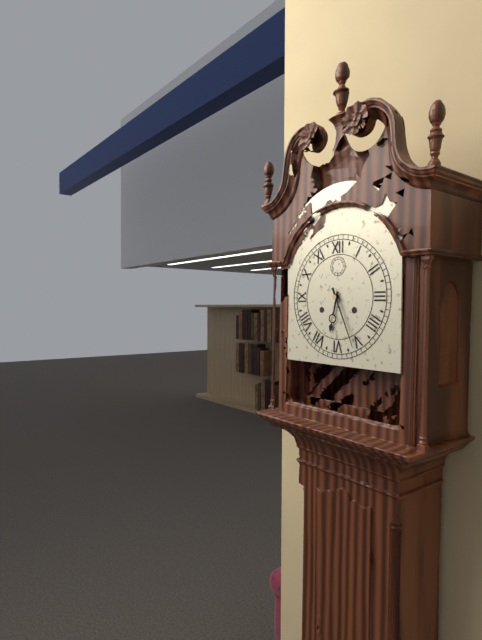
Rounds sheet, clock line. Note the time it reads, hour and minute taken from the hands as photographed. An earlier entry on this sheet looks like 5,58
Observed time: 6,26
